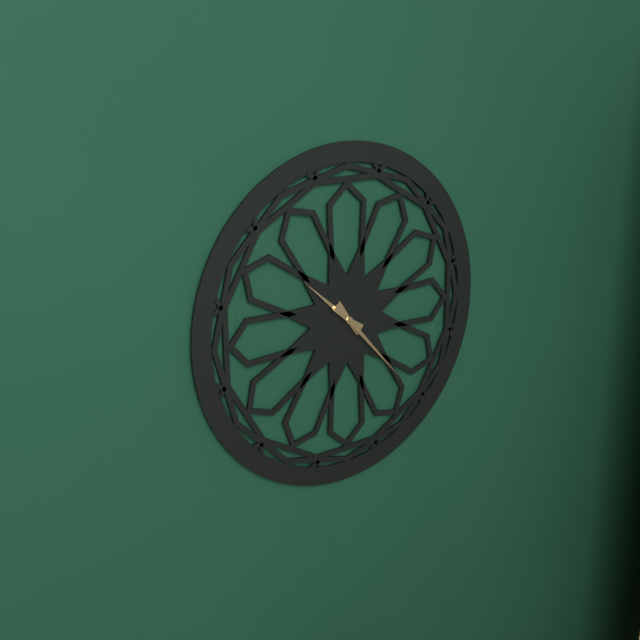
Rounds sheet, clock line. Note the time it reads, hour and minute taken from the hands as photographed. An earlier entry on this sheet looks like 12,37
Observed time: 10,23
